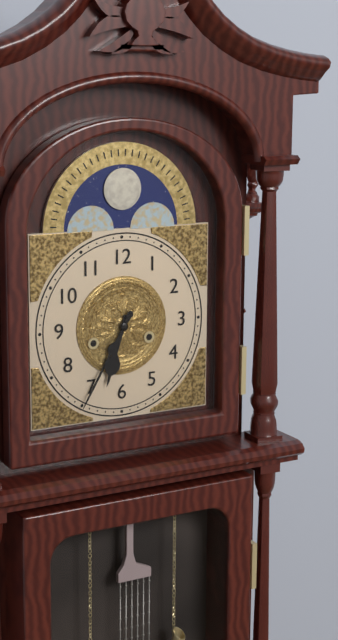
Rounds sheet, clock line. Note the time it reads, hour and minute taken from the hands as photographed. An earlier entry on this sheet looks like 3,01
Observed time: 6,35
